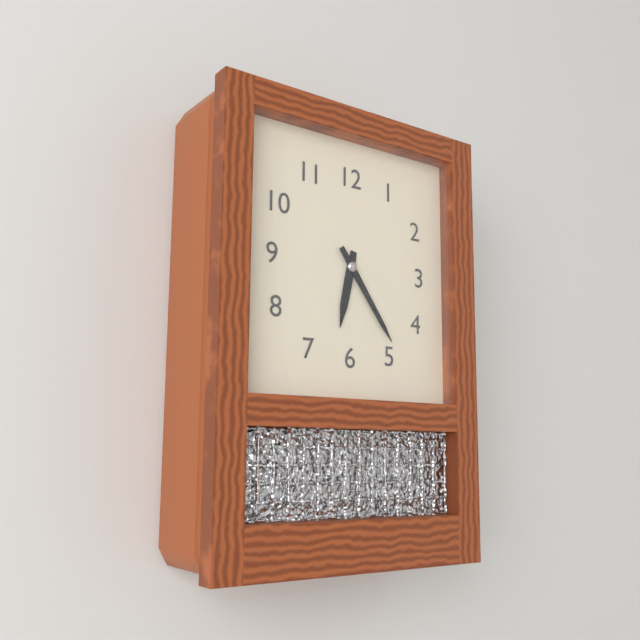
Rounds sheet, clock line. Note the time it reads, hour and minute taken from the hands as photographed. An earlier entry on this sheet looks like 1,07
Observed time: 6,24
